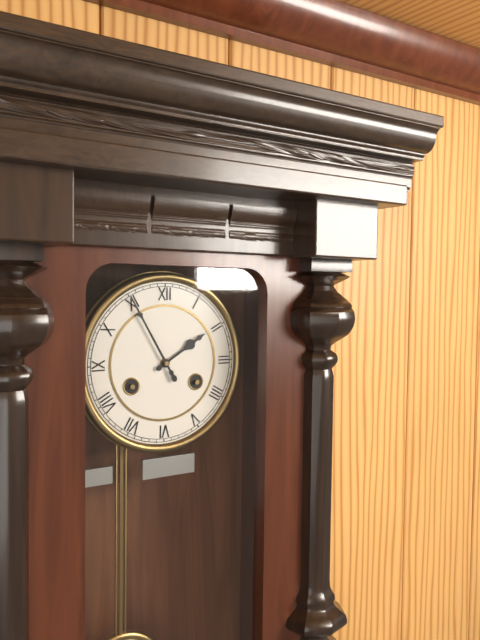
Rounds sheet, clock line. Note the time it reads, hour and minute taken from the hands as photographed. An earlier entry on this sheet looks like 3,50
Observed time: 1,55
